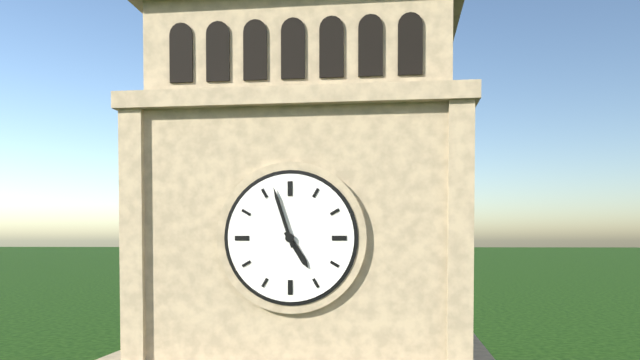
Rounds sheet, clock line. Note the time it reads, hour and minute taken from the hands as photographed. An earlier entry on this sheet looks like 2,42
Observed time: 4,57
